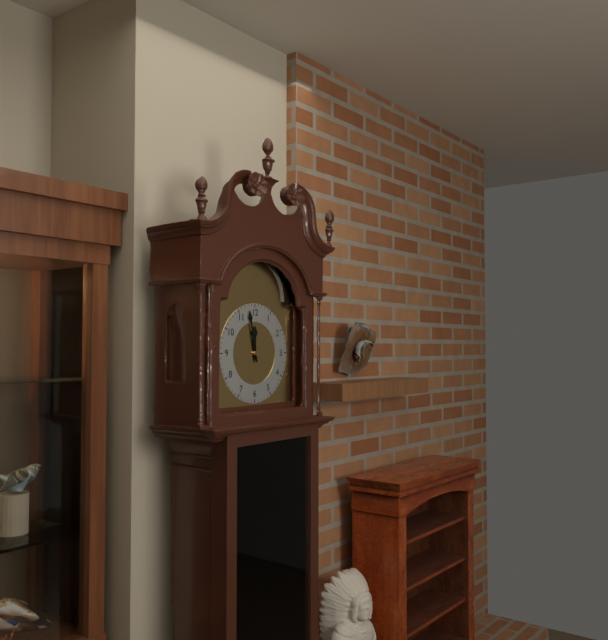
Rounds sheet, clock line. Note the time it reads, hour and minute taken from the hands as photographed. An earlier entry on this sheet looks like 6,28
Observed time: 11,58
